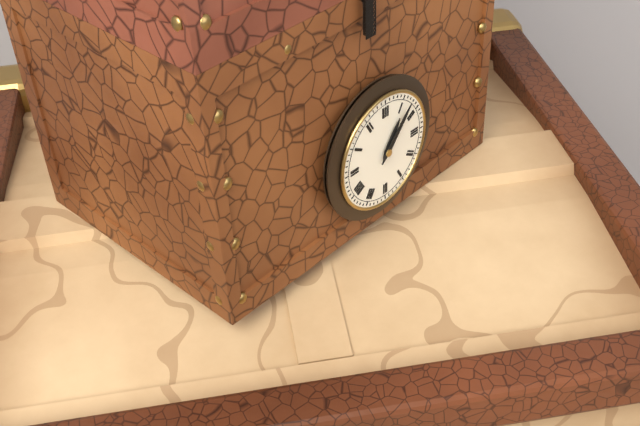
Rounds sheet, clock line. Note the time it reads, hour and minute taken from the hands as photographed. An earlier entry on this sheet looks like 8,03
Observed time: 1,07
